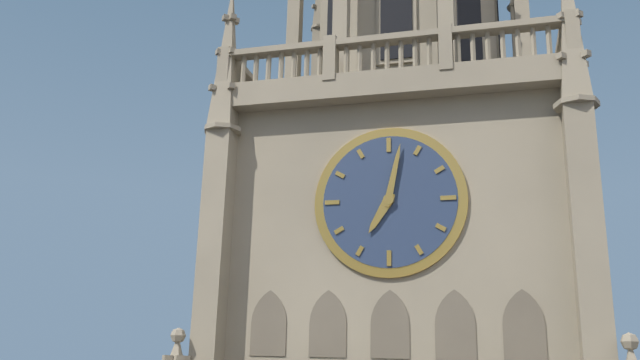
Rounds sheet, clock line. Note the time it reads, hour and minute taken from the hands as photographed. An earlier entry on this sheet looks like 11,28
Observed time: 7,02
